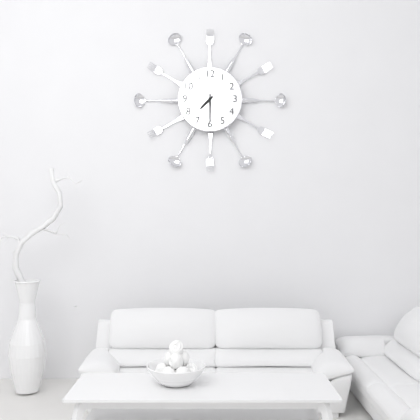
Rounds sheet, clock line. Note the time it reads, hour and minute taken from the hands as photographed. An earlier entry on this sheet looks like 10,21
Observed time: 7,30
